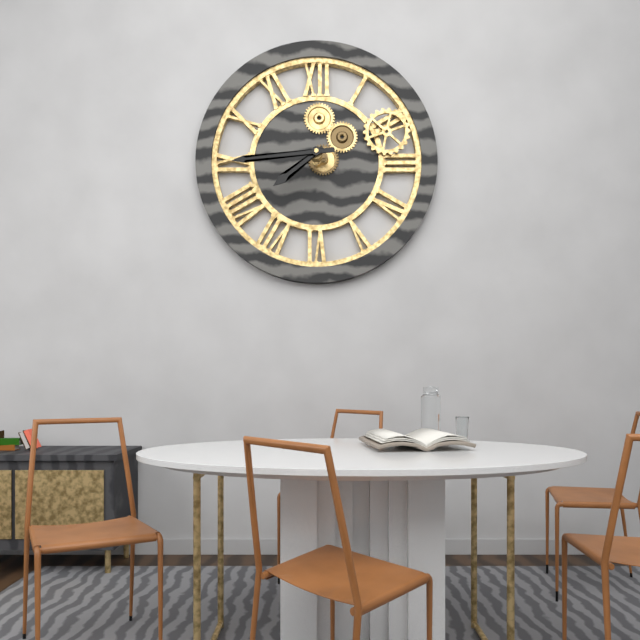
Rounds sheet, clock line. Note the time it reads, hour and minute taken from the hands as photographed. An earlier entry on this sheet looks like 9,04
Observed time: 7,44
